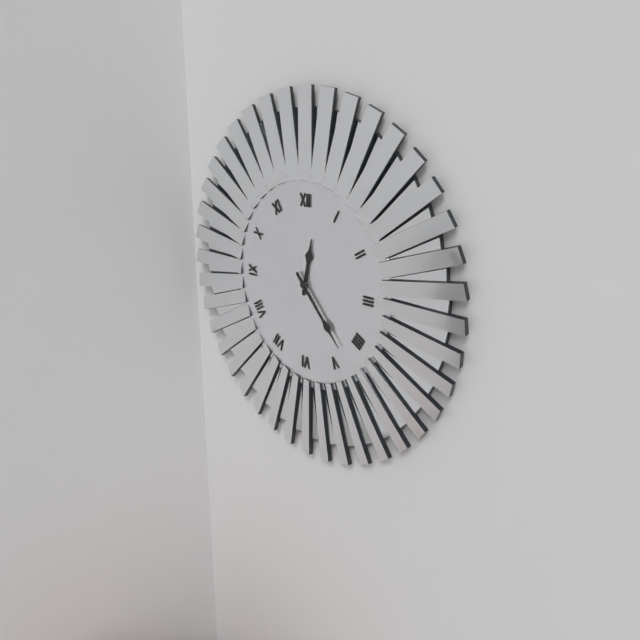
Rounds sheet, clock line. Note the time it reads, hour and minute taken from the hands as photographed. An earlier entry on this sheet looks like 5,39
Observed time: 12,23
